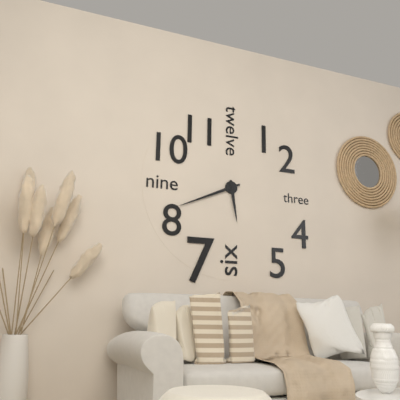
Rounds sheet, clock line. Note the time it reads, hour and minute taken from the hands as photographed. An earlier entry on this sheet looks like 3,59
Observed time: 5,41
